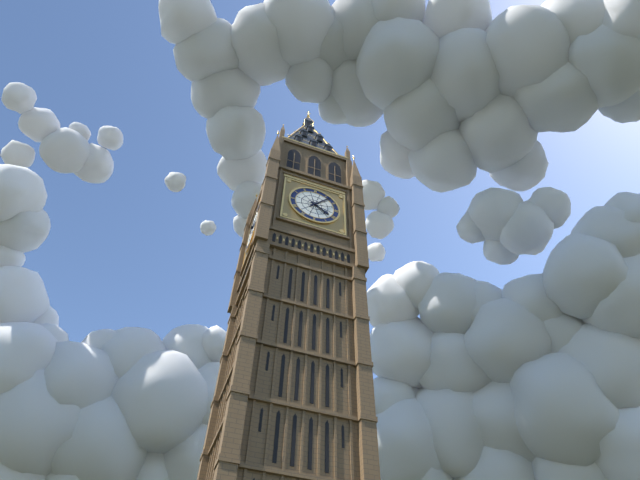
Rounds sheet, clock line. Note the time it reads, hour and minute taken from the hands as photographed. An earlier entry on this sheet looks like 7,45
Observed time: 4,07
